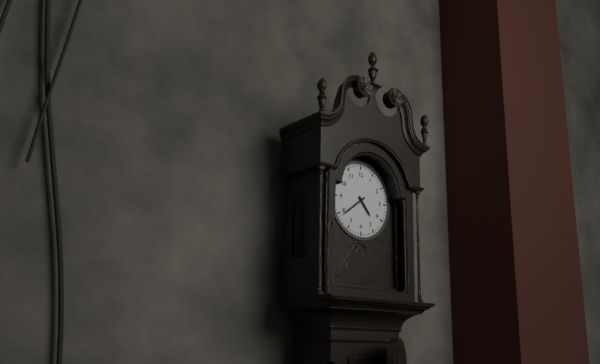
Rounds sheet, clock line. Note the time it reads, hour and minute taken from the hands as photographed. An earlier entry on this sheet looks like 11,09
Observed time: 4,39
